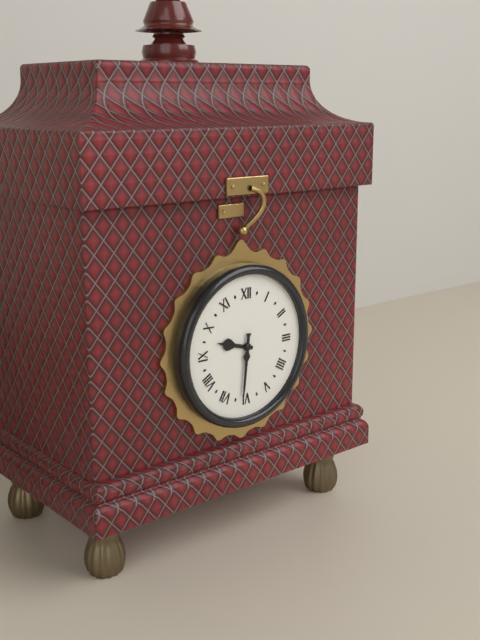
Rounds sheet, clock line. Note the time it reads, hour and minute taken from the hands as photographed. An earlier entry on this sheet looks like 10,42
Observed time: 9,31
